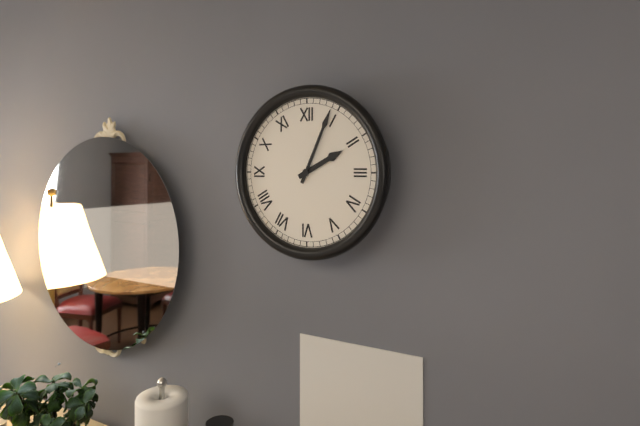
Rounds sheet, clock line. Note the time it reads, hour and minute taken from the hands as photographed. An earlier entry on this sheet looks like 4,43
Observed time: 2,04
